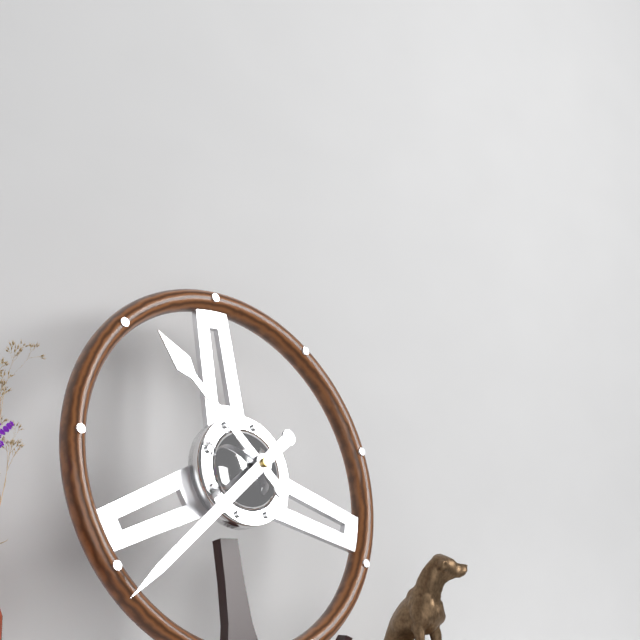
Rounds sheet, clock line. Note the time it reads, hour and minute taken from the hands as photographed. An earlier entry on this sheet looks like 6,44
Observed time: 10,39
